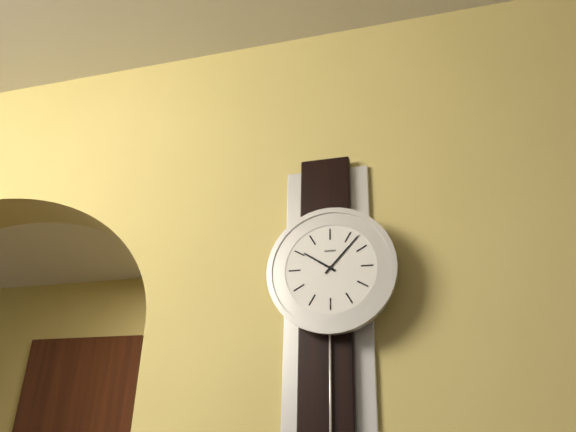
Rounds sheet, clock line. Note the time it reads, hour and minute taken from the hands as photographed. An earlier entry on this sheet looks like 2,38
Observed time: 10,07
